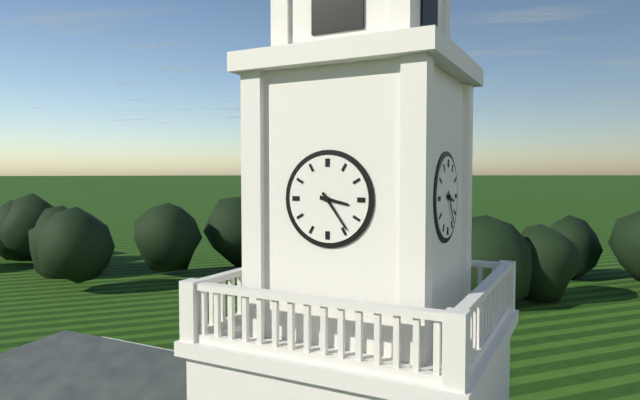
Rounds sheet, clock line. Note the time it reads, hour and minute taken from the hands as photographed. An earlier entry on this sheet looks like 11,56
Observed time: 3,24
